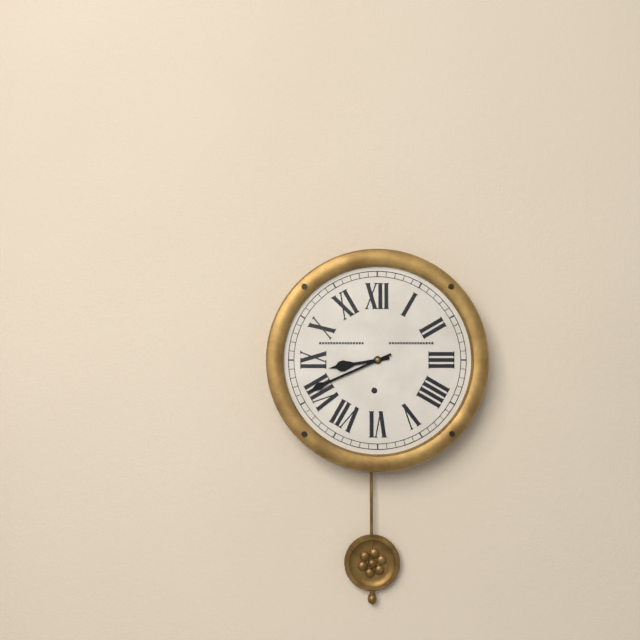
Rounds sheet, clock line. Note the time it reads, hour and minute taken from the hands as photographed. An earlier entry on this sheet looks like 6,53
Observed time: 8,41
